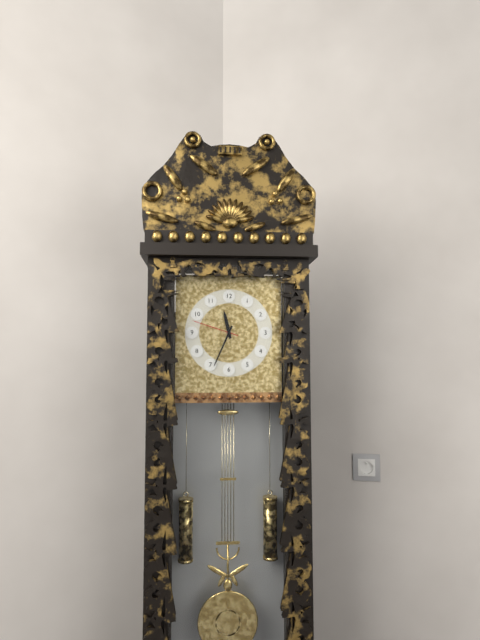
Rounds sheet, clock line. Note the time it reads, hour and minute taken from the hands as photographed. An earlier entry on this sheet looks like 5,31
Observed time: 11,34
